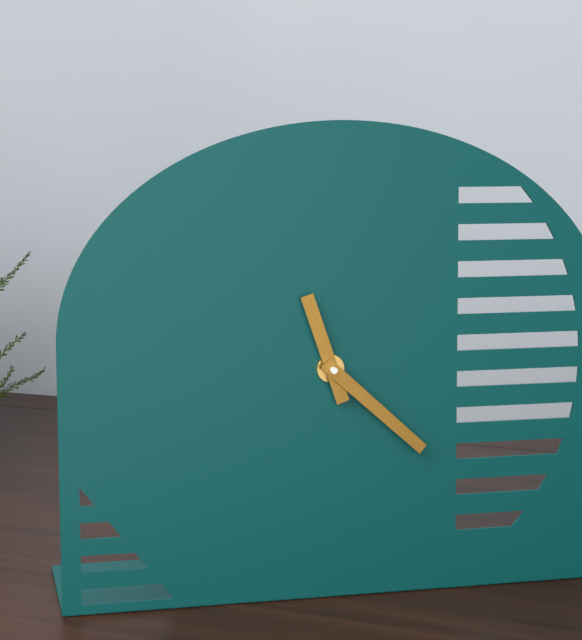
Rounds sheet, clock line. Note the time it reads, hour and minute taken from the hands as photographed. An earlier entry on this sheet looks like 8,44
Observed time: 11,22
